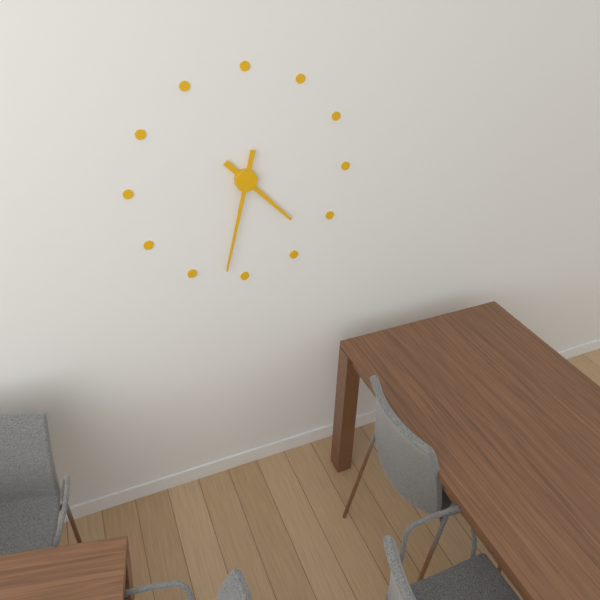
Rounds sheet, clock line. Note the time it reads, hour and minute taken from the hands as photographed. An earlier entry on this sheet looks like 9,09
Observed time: 4,32
